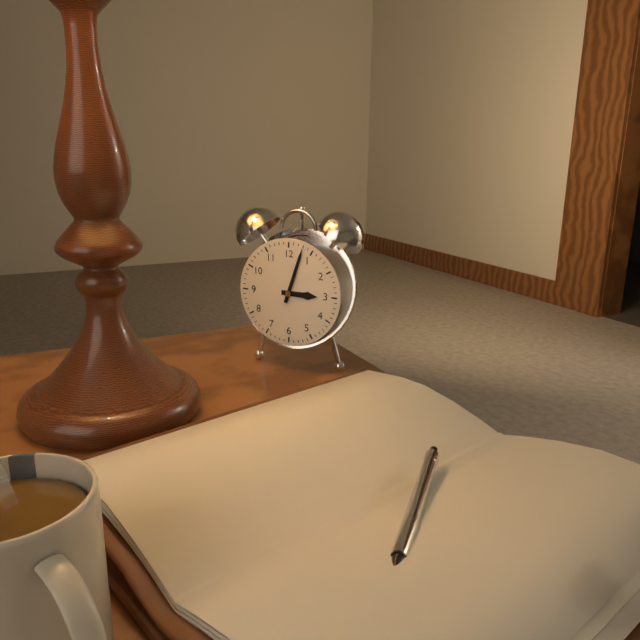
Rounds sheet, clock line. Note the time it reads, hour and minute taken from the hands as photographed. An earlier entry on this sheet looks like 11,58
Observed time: 3,03
